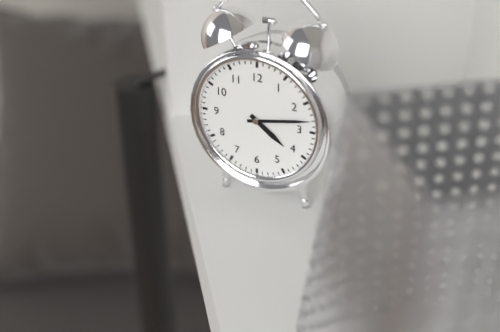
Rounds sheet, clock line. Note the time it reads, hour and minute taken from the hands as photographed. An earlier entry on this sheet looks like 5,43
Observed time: 4,13
